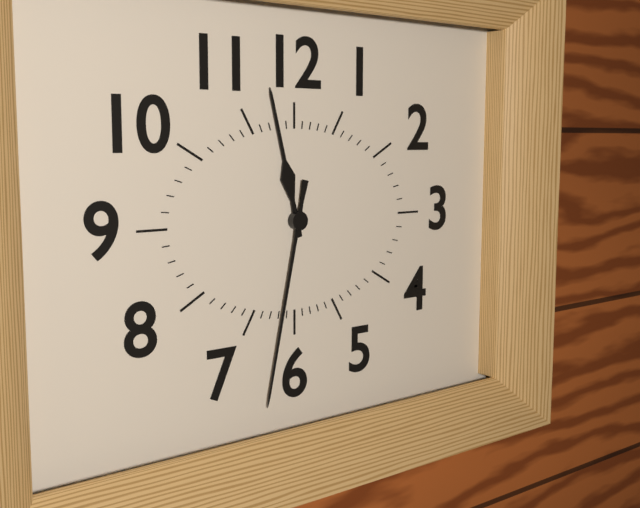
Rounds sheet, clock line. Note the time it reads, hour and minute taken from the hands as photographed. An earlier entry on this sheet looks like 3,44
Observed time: 11,32
